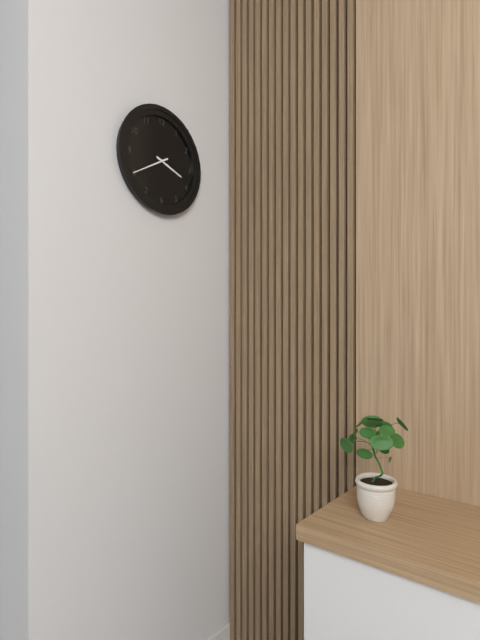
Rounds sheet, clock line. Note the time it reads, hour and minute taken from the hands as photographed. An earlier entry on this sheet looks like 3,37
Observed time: 3,40
